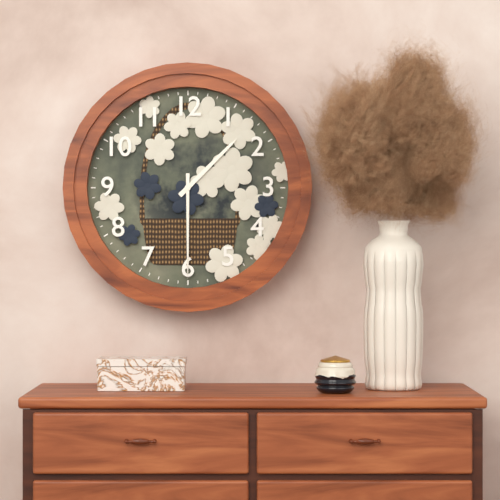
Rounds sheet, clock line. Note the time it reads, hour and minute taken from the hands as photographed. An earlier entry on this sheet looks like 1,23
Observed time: 1,30
